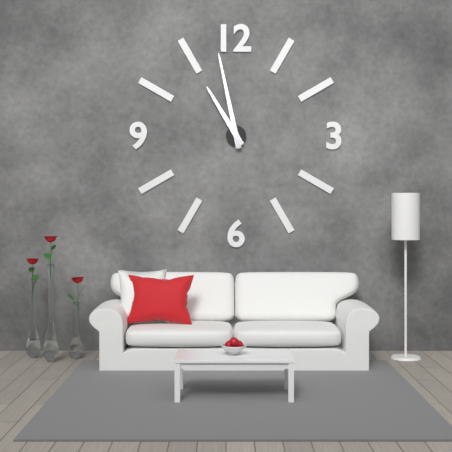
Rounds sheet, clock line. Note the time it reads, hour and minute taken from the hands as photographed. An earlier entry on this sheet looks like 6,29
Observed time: 10,58
